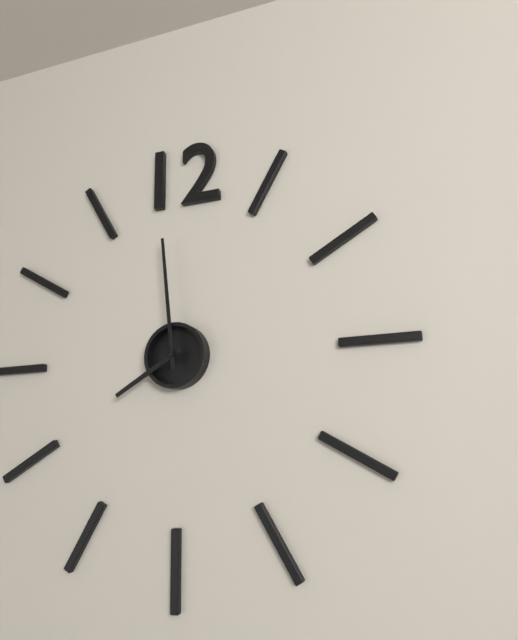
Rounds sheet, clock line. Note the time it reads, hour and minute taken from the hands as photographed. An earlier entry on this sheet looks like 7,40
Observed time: 7,59
